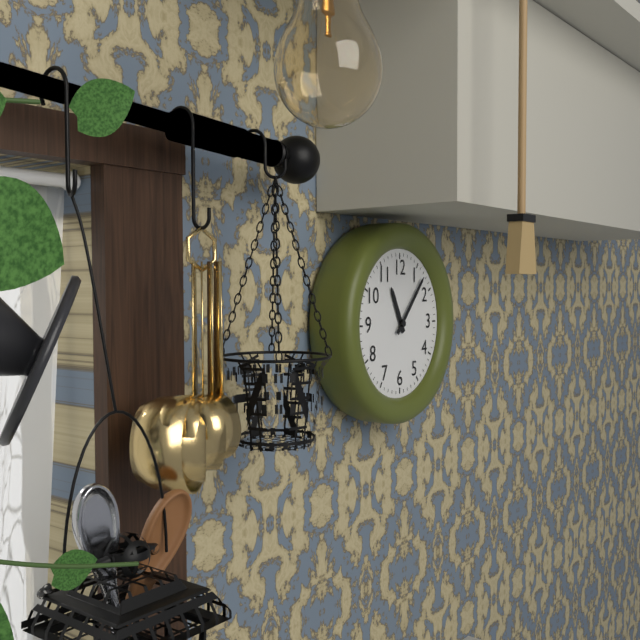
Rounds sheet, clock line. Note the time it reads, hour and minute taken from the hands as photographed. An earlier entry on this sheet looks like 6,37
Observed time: 11,07
